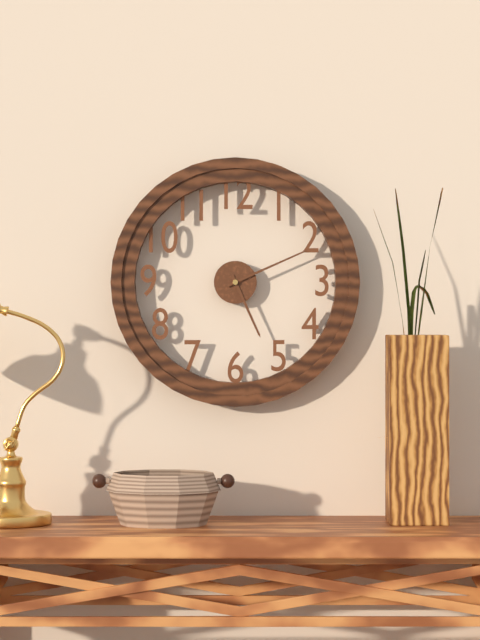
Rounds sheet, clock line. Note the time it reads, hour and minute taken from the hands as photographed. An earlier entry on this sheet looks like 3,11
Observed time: 5,11
